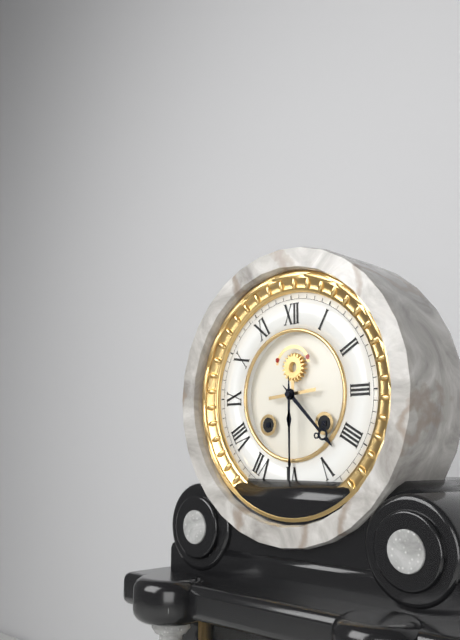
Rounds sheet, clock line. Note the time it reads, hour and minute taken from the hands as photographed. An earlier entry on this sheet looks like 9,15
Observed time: 4,30
